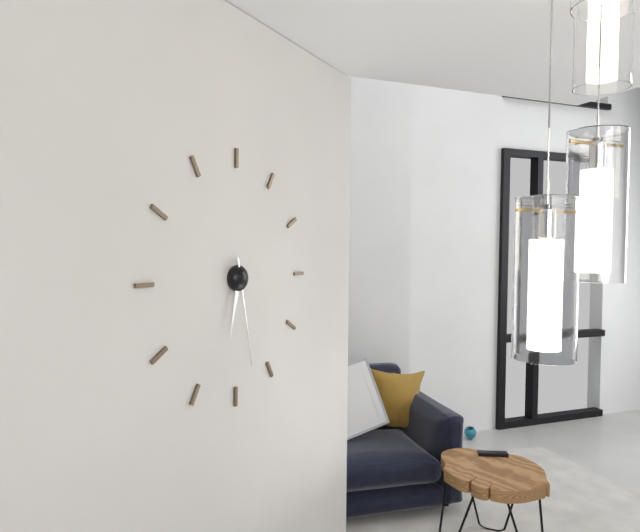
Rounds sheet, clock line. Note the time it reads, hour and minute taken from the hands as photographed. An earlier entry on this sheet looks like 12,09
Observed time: 6,28
